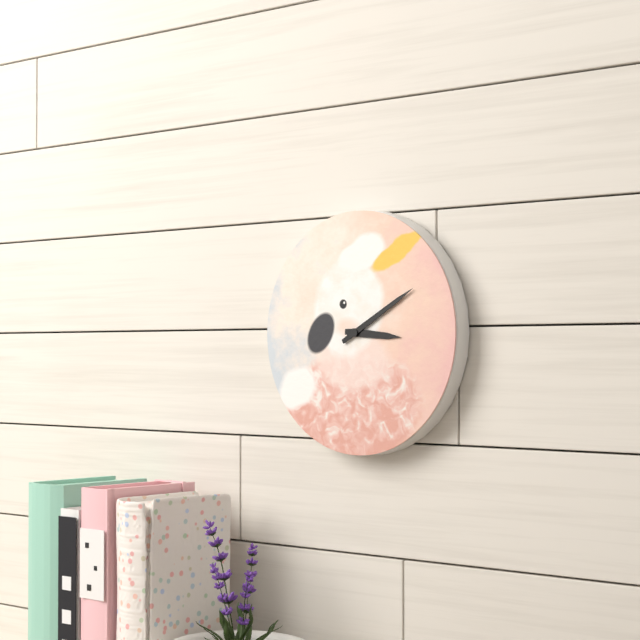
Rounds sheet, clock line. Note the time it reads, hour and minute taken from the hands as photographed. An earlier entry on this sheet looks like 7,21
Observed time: 3,10
